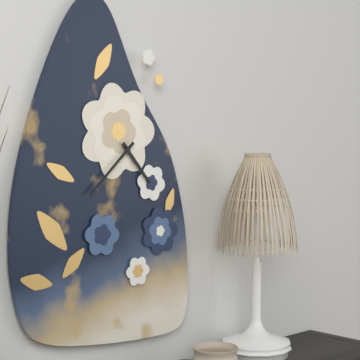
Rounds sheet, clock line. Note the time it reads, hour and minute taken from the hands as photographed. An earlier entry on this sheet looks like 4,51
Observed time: 4,38
